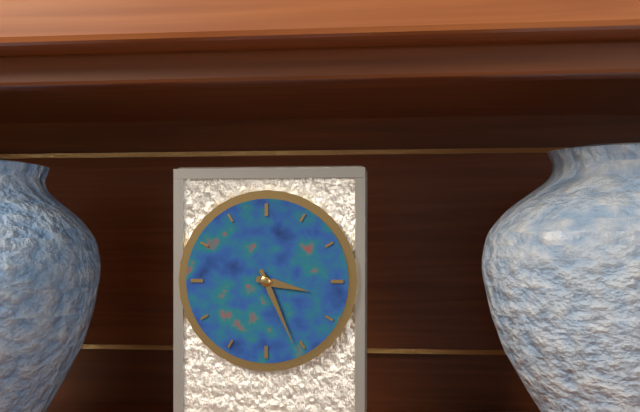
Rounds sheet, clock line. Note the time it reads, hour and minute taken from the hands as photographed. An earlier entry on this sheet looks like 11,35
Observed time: 3,26
